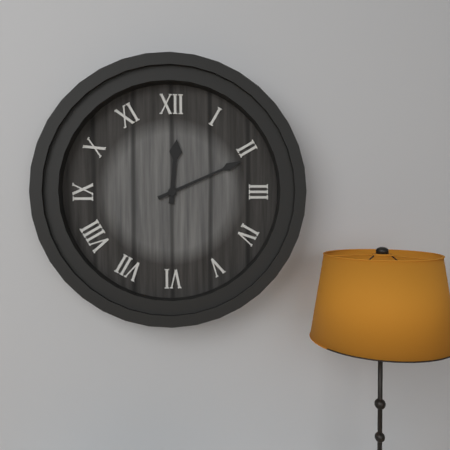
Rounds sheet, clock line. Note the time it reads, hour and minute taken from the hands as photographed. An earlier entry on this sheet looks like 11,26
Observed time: 12,11
